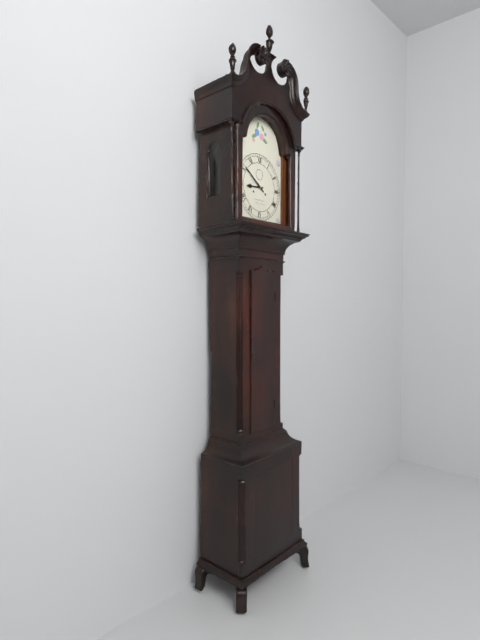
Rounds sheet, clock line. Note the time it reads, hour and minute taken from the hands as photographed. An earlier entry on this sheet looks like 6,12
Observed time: 8,51
